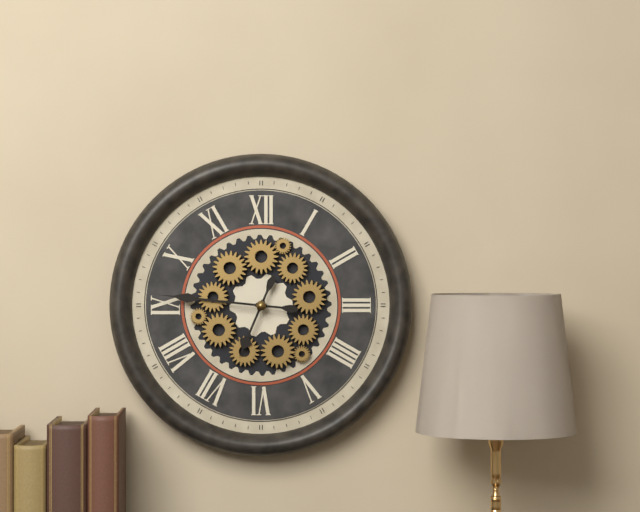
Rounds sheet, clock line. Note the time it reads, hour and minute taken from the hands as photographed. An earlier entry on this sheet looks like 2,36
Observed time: 6,46
